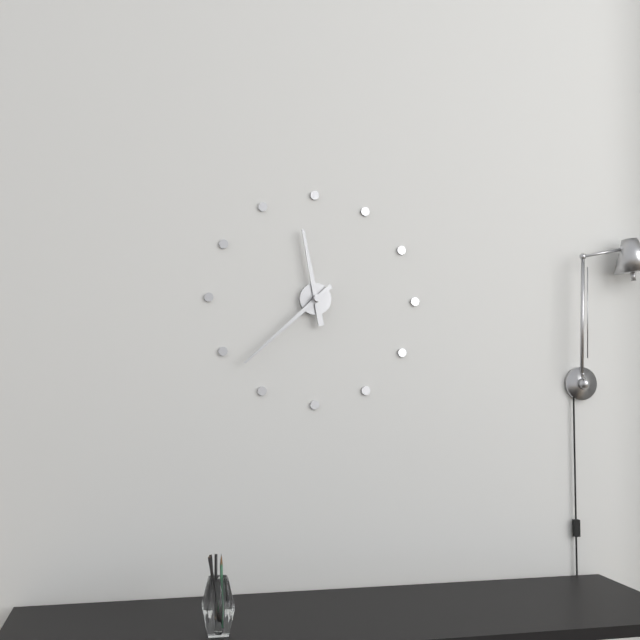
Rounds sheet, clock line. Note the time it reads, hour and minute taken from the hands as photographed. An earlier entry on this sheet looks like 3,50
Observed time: 11,38
